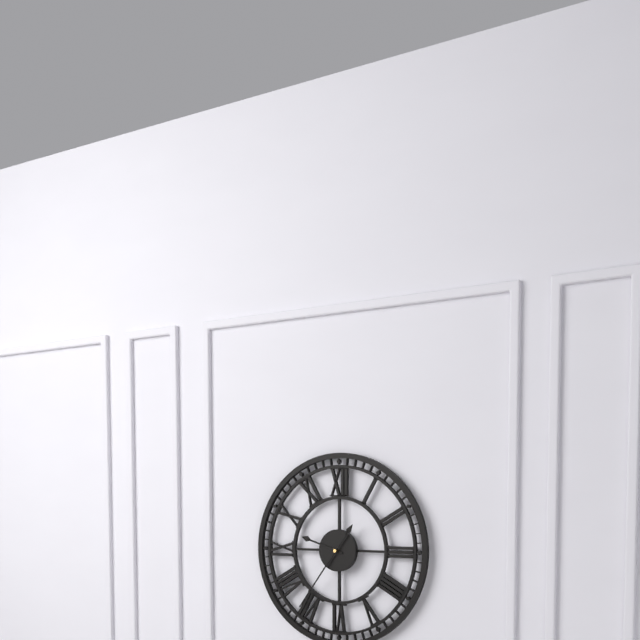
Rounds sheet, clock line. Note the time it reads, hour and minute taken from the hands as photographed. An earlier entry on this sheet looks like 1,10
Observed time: 9,36
